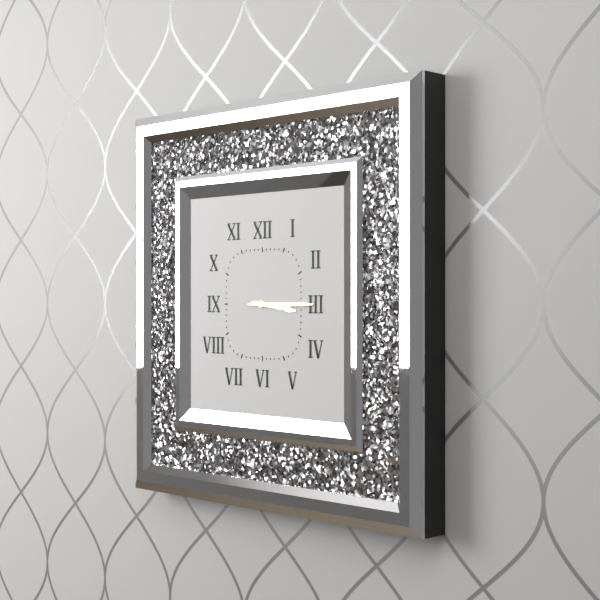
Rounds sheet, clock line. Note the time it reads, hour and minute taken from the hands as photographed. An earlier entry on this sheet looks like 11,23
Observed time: 3,15
